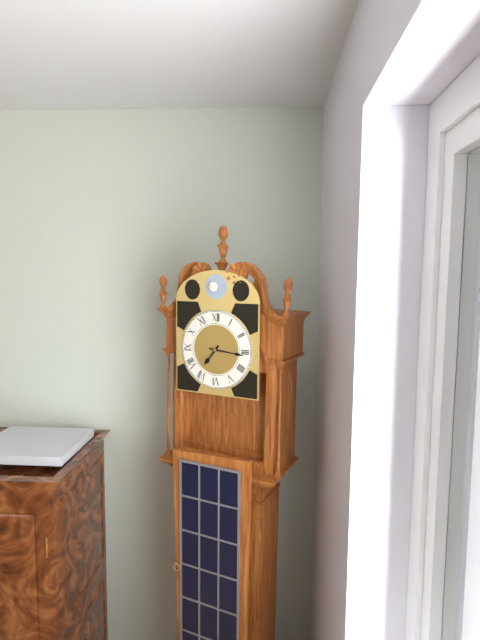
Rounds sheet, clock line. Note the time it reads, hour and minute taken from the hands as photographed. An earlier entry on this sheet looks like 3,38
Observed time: 7,16
